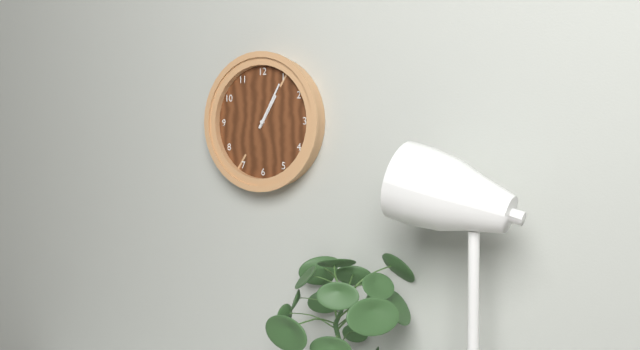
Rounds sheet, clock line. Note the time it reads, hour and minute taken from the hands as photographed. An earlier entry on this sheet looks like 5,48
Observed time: 1,05
